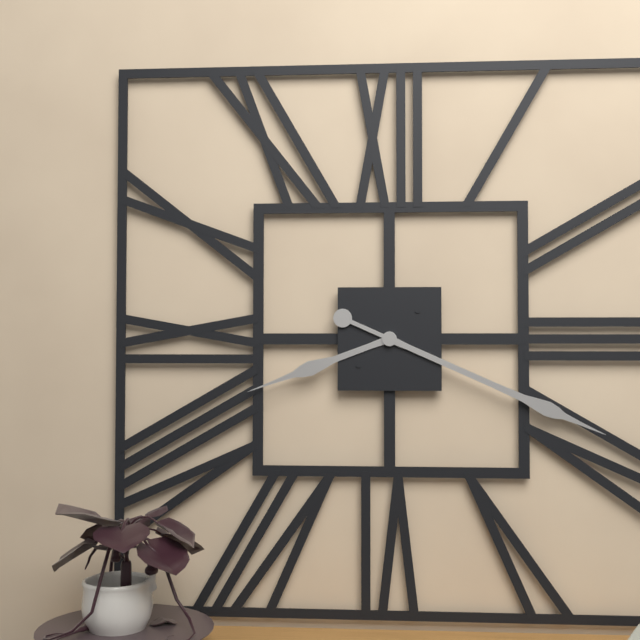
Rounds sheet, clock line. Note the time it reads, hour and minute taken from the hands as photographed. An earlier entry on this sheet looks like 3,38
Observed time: 8,19
